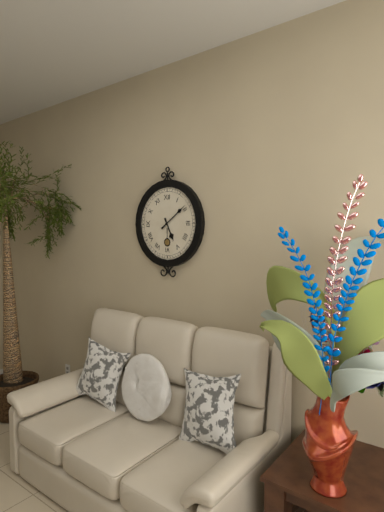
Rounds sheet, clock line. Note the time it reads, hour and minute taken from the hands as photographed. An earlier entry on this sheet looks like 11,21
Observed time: 5,09
